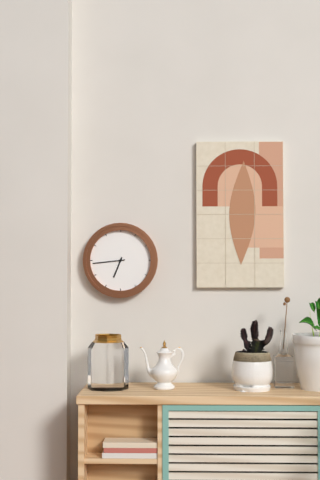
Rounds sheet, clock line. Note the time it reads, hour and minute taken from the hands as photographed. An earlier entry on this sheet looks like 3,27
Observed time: 6,44
